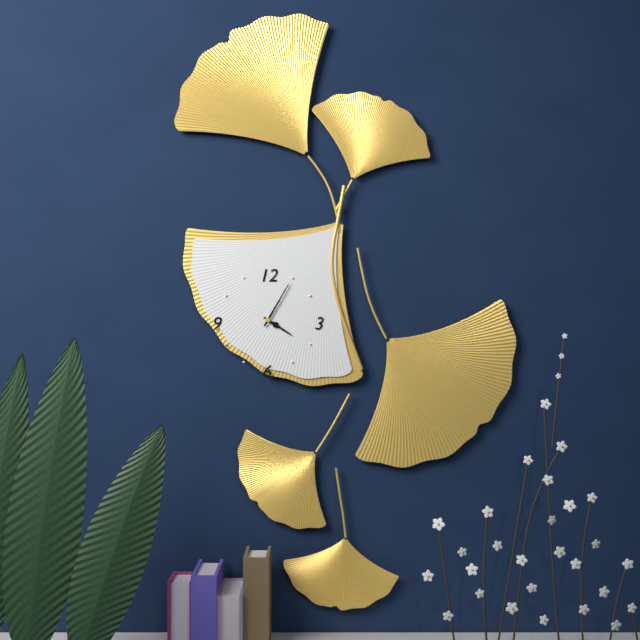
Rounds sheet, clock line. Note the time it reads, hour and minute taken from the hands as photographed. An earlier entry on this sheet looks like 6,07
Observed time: 4,05
